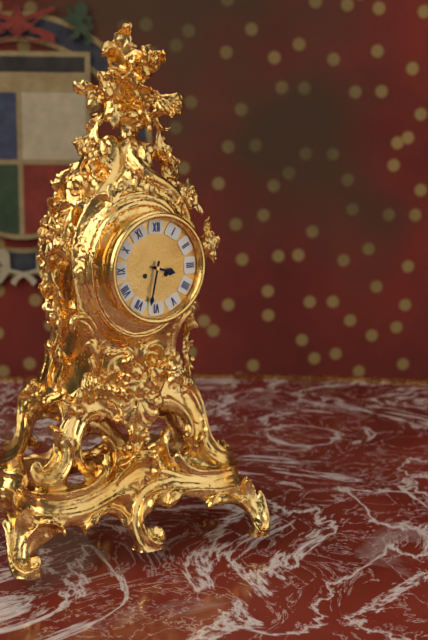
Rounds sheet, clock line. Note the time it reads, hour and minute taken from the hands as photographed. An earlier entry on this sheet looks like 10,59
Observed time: 3,32
